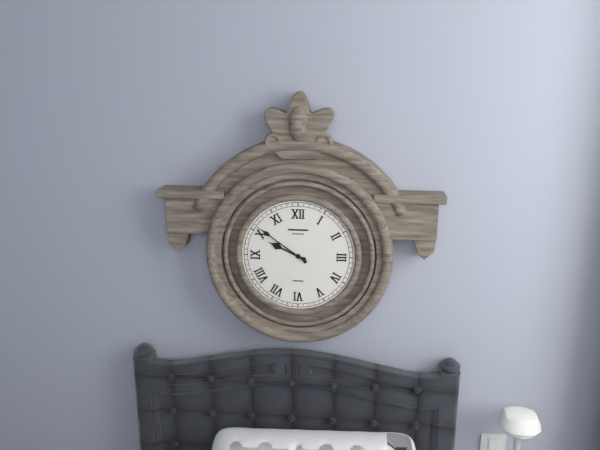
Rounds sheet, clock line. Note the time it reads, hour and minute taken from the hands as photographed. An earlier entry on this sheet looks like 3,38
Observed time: 9,51
